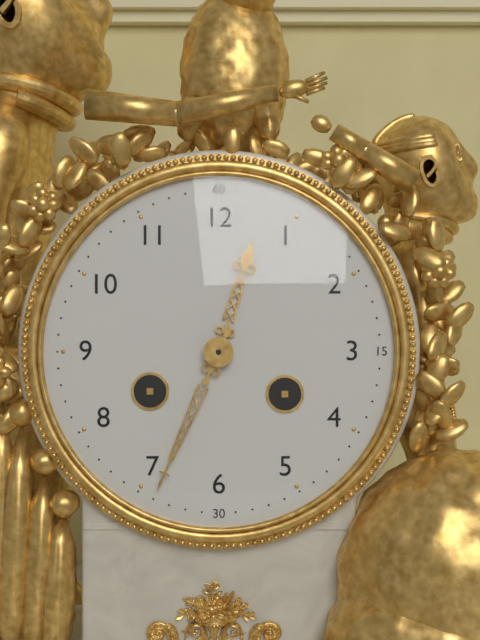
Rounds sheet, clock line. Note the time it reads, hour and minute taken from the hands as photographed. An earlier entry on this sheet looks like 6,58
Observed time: 12,34
